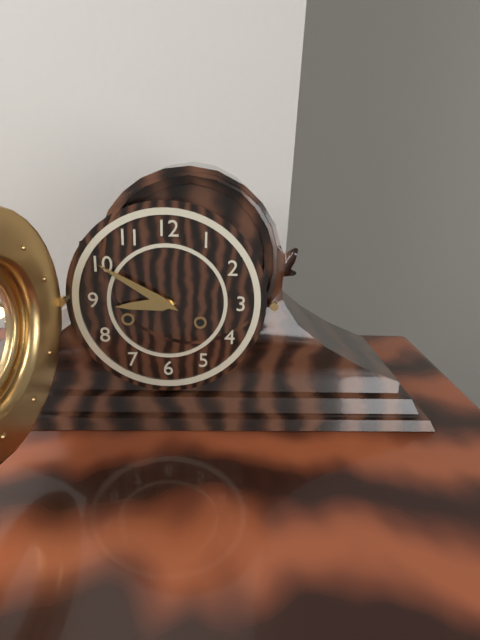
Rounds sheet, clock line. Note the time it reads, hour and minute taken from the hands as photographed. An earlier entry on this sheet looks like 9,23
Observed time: 8,50
